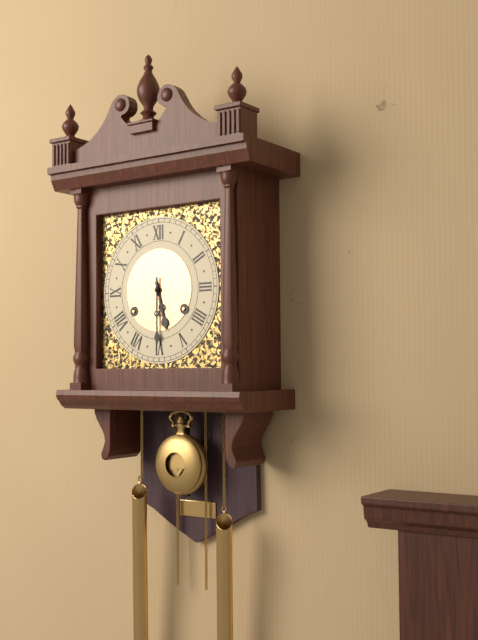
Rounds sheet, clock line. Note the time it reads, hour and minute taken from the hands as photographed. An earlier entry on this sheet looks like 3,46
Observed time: 5,30
